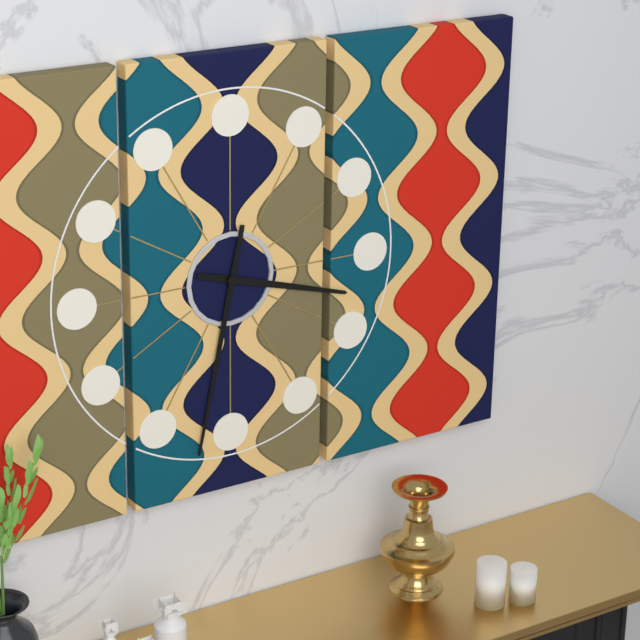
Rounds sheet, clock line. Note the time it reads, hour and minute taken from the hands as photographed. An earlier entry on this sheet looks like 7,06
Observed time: 3,32
